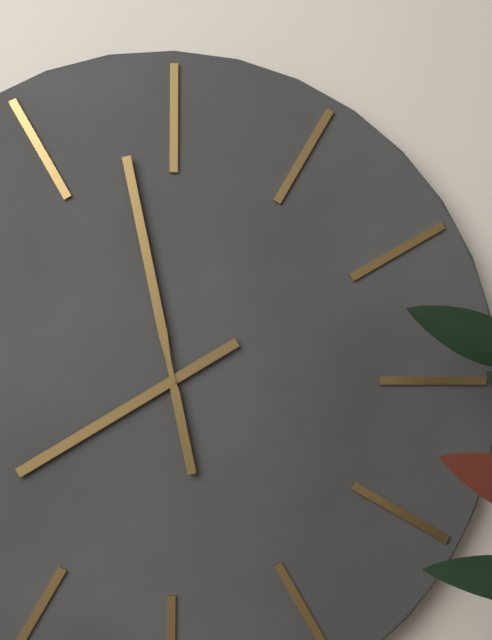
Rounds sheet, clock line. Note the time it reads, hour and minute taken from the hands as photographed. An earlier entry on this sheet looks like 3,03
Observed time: 7,58
